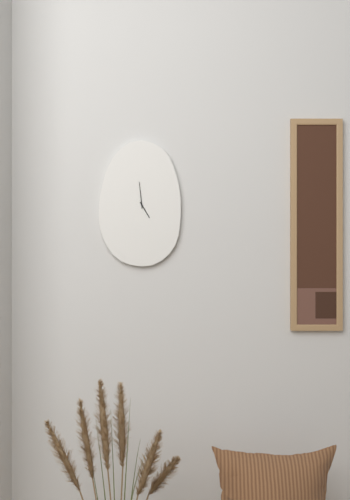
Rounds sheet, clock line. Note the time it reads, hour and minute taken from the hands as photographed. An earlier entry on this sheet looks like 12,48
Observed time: 4,59
